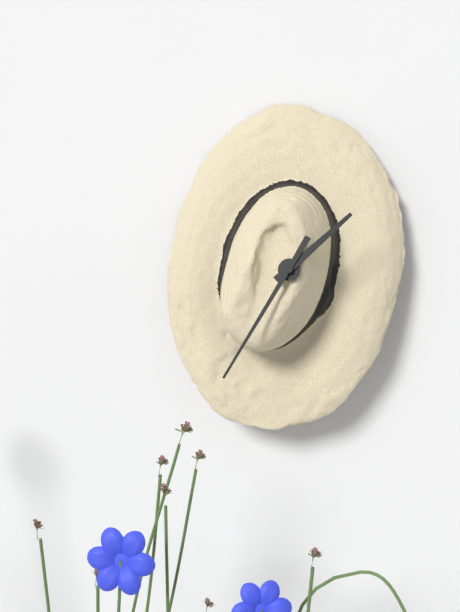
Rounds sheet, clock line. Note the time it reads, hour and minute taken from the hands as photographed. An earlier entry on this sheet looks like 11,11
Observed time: 1,35
